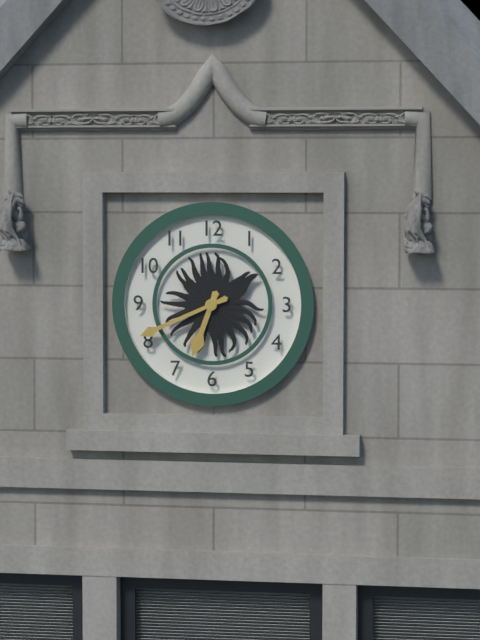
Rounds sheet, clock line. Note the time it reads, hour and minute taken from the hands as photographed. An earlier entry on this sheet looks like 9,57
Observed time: 6,41
